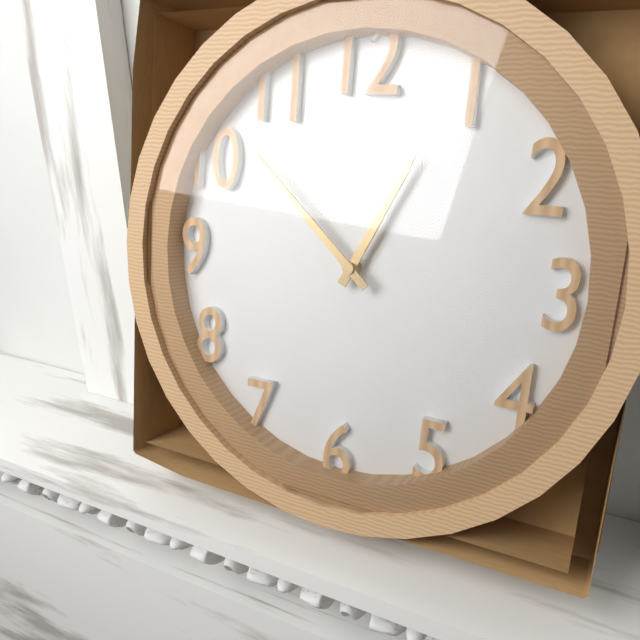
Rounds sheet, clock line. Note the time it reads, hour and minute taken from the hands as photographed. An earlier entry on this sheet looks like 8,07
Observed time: 12,52
